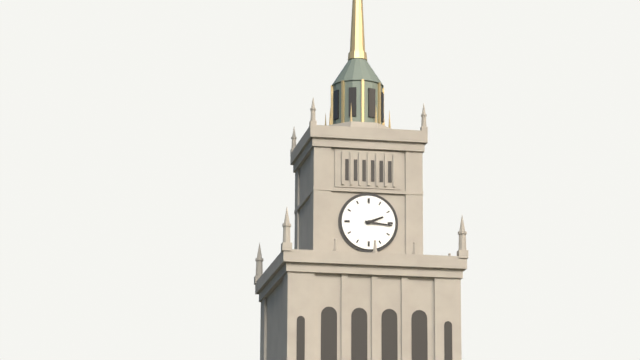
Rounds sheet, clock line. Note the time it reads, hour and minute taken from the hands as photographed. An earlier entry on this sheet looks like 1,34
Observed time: 2,16
